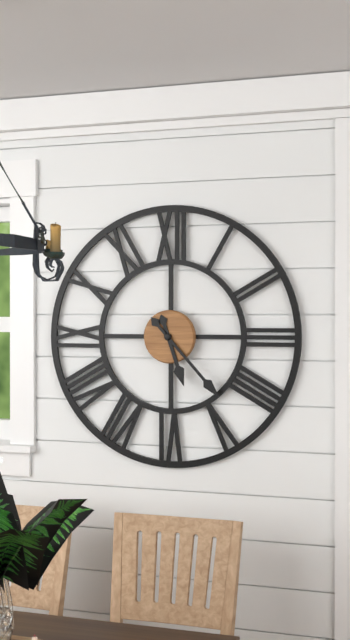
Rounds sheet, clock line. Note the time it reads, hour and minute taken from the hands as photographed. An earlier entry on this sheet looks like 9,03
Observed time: 5,23
